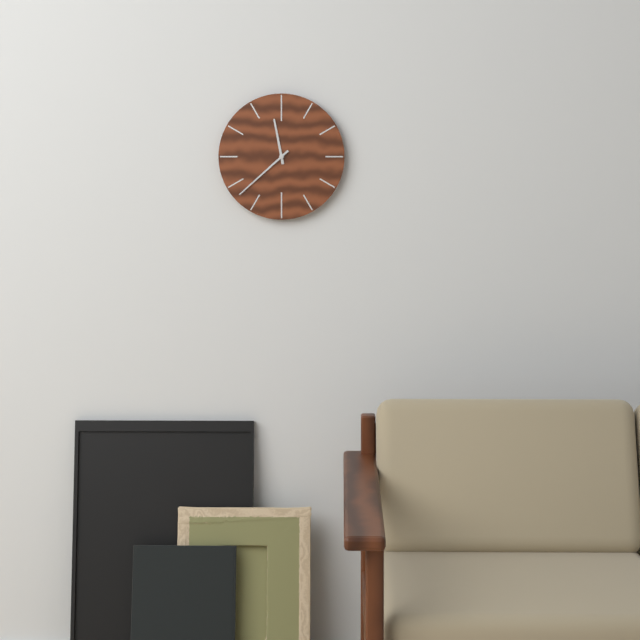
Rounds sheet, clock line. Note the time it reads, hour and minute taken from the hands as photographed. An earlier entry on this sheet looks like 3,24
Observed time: 11,38
